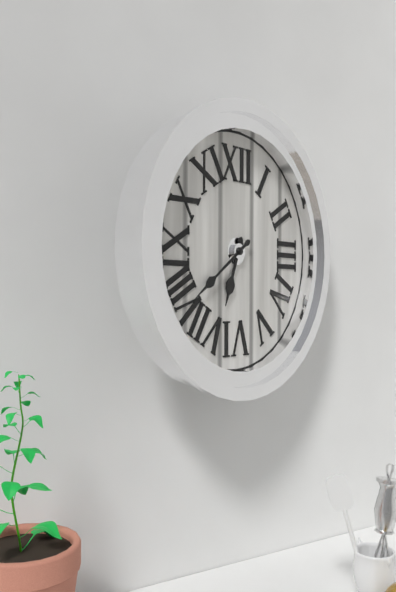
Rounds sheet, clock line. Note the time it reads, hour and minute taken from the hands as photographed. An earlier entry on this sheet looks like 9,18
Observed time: 6,39
